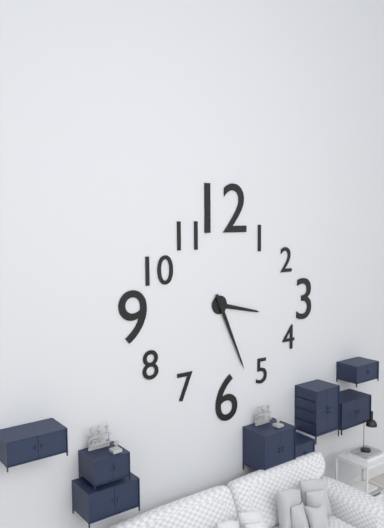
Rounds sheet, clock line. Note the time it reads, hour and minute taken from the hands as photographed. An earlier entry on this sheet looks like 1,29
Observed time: 3,26
